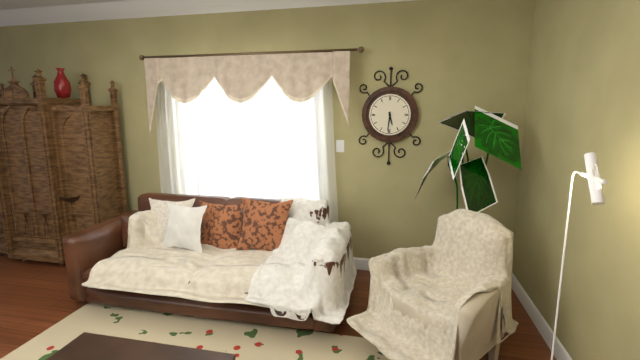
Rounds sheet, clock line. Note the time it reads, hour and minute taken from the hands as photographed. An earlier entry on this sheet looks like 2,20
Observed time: 5,31
